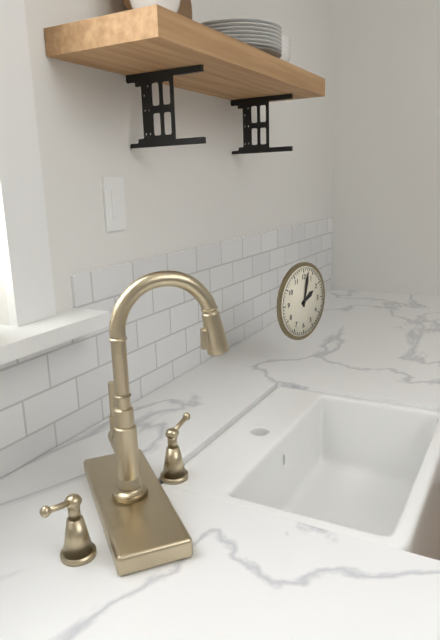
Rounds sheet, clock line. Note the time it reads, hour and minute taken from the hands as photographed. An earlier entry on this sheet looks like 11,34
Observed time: 2,02
